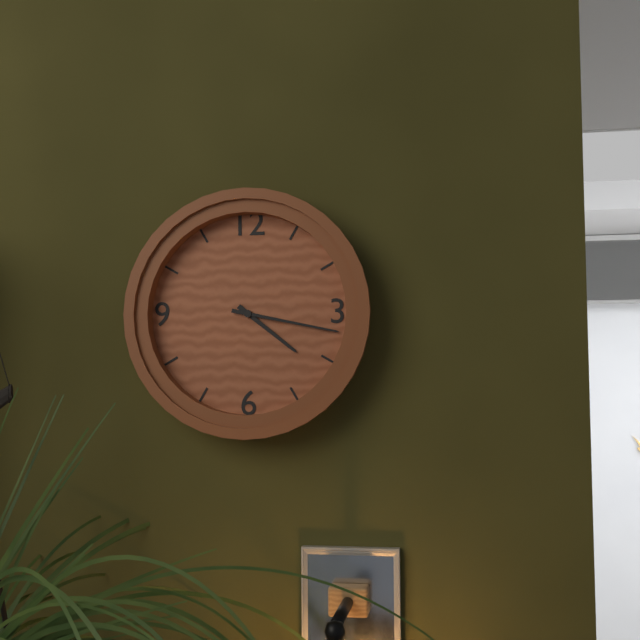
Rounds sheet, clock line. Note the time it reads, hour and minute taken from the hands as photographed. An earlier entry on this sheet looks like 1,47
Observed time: 4,17
